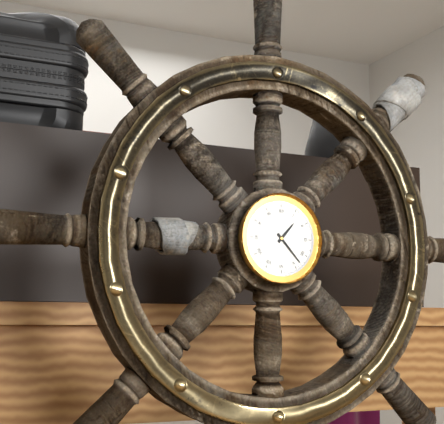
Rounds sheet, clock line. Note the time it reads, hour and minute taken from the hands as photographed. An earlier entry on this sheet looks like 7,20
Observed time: 1,23
